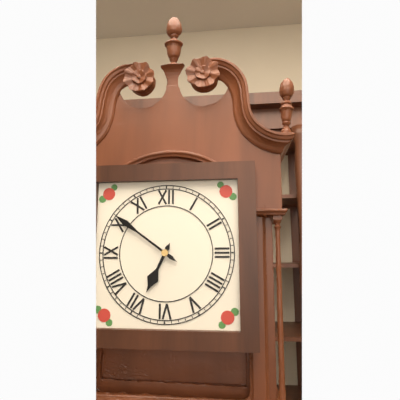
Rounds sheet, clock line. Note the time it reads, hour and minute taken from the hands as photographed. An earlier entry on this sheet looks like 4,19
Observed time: 6,51
